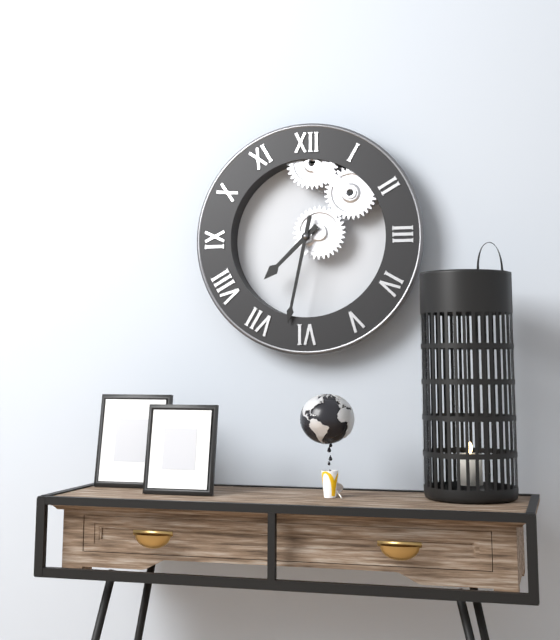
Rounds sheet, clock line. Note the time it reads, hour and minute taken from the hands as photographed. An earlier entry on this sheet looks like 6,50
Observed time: 7,32
